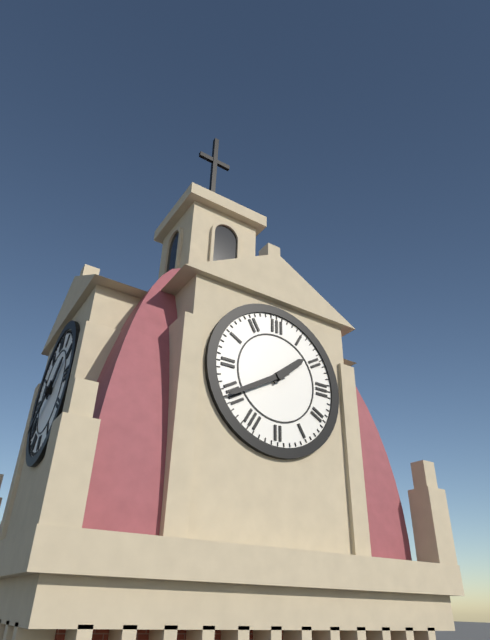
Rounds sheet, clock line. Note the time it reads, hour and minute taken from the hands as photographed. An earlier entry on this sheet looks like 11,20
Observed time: 1,40
